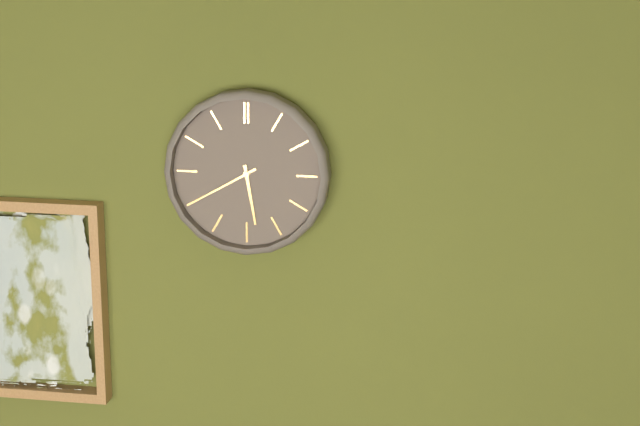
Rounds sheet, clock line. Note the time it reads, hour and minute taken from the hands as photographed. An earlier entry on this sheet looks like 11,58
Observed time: 5,40
